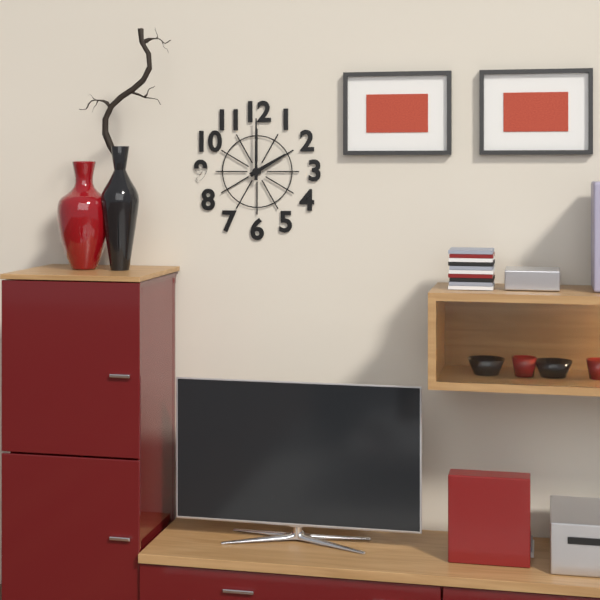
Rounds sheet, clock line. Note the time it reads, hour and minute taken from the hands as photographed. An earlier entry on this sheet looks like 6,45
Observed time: 2,00
